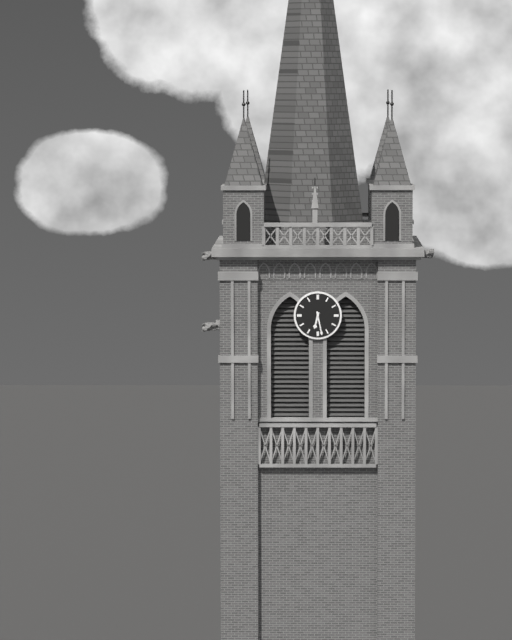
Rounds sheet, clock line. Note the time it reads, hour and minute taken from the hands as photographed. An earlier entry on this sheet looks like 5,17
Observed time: 6,28
